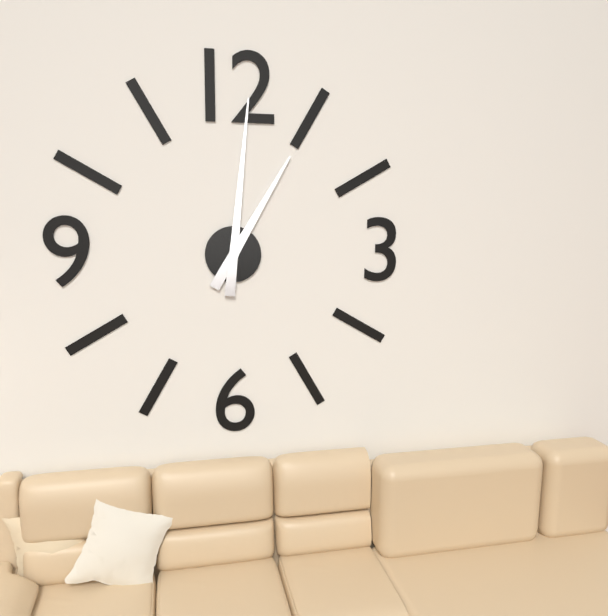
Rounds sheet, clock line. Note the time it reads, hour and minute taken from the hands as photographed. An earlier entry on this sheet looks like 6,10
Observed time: 1,01
